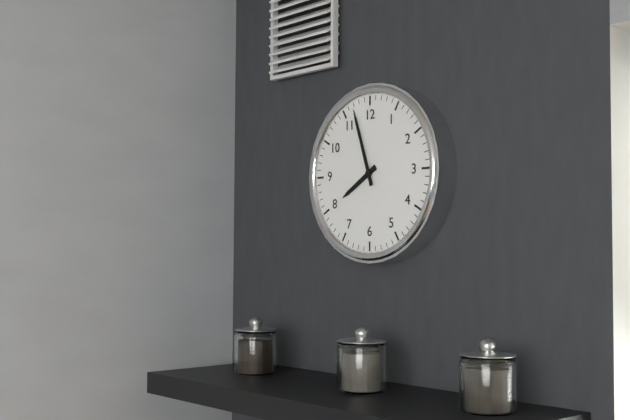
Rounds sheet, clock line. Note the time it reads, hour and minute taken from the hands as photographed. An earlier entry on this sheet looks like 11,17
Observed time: 7,57
